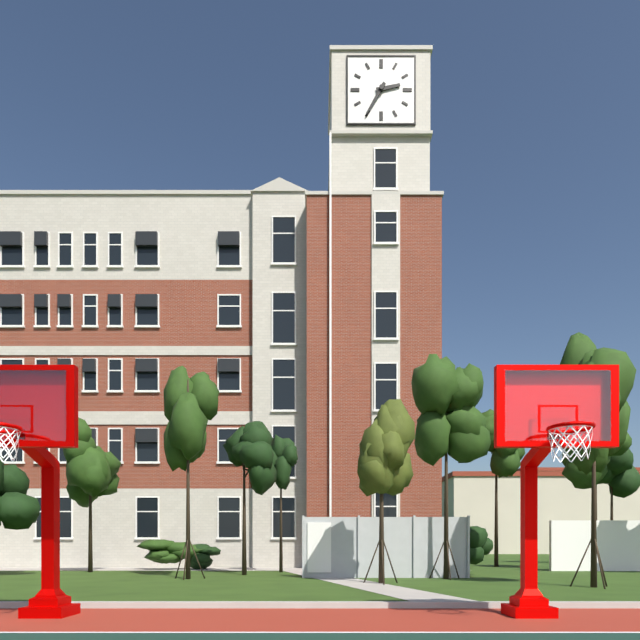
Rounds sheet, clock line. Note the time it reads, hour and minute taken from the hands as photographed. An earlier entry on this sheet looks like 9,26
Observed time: 2,35
